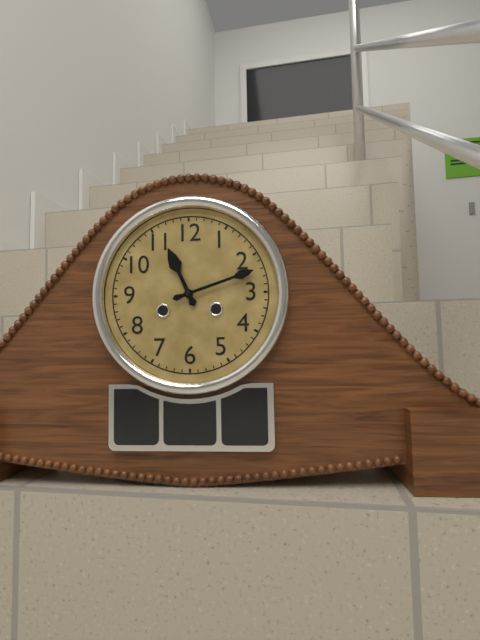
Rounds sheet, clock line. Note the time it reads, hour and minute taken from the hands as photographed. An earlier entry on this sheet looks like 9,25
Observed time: 11,12
